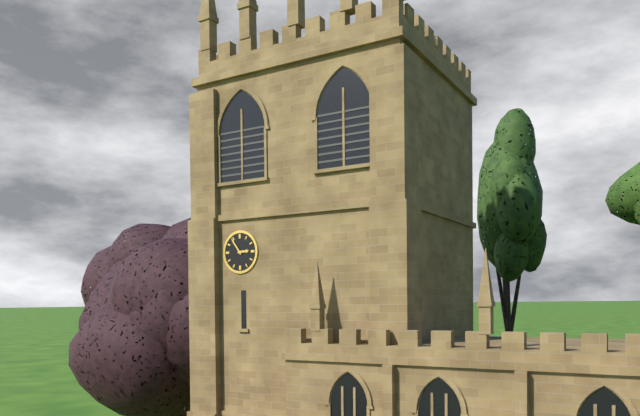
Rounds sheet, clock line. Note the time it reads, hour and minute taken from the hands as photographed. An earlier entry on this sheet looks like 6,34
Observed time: 2,54
